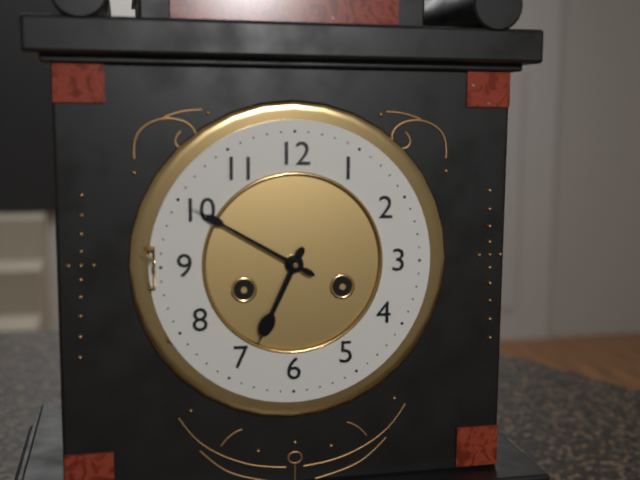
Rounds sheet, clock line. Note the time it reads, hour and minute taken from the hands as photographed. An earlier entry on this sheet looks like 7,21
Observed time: 6,50
